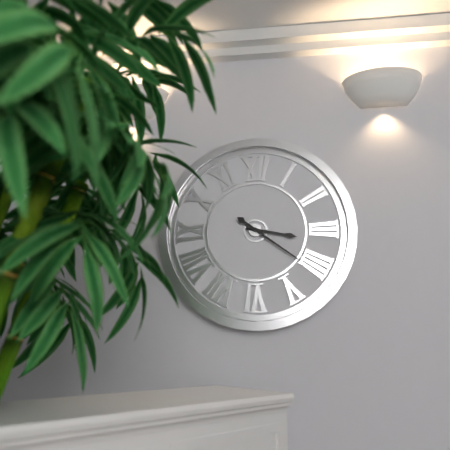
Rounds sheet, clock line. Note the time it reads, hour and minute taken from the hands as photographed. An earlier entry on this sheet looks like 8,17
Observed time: 3,21
